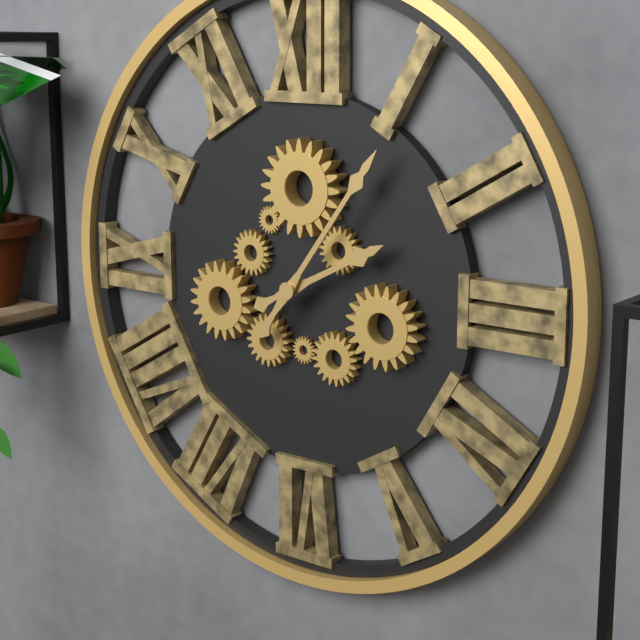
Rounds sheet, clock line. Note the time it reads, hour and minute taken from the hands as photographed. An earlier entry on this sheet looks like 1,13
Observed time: 2,06
